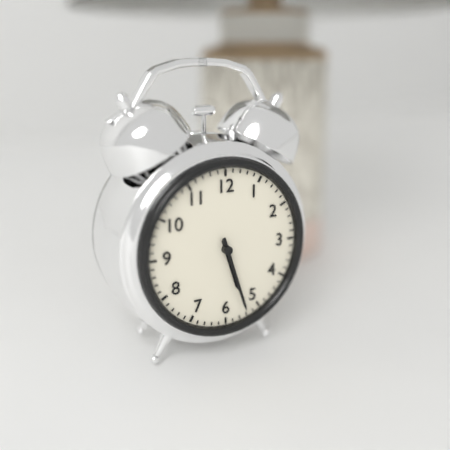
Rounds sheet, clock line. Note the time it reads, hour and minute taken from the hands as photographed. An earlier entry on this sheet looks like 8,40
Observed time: 5,27
